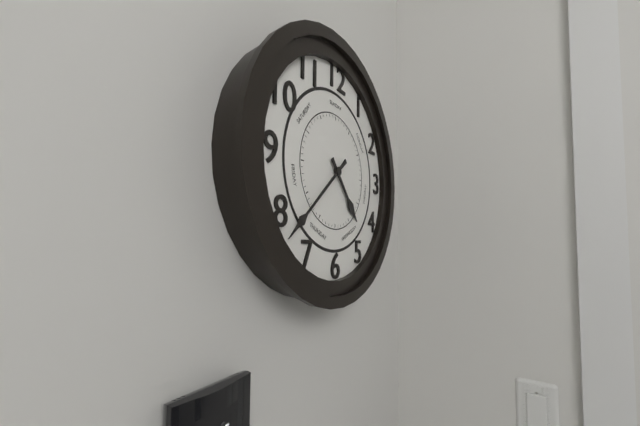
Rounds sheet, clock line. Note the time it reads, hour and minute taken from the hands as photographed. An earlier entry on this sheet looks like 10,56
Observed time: 4,38
